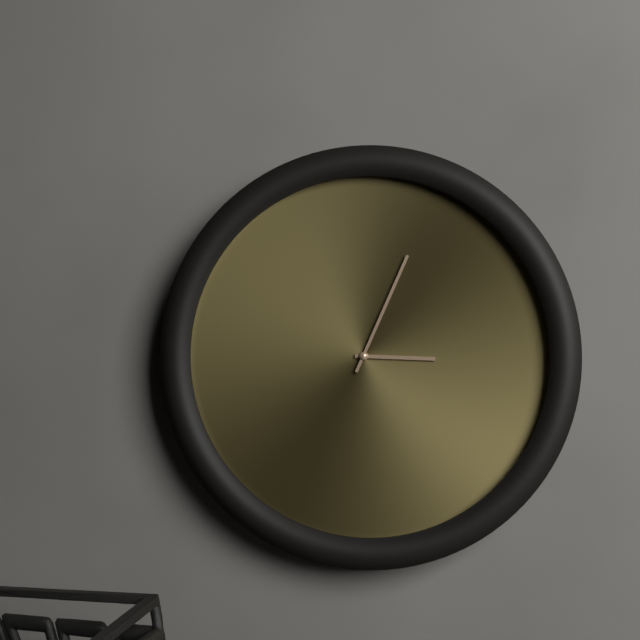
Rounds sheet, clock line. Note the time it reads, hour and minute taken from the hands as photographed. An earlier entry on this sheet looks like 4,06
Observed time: 3,04
